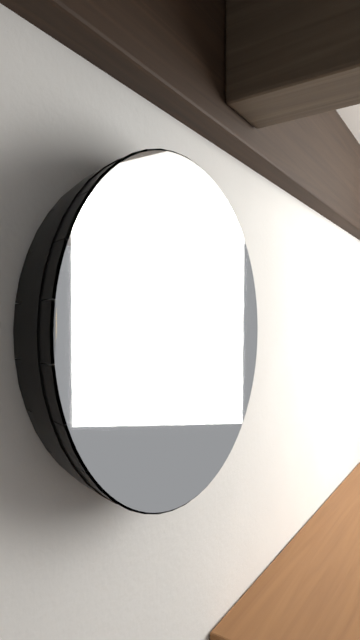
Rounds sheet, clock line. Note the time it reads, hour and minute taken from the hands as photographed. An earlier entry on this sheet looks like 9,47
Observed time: 5,18
